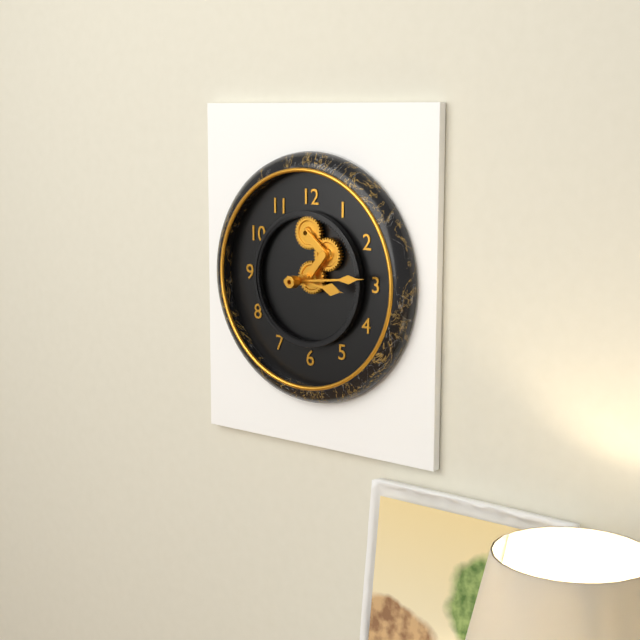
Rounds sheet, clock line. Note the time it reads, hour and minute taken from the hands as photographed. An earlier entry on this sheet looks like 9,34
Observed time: 3,14
